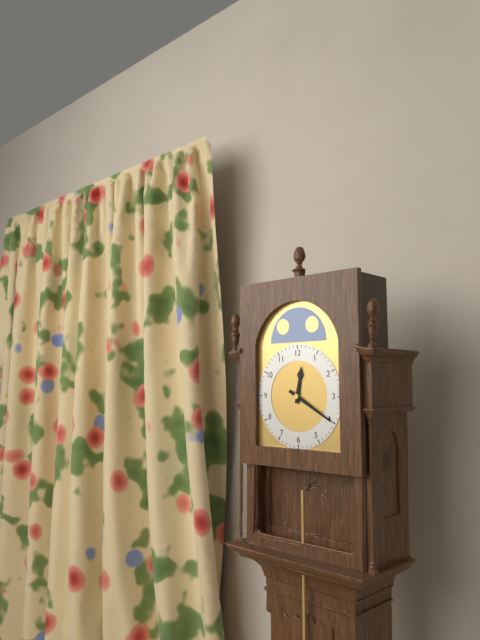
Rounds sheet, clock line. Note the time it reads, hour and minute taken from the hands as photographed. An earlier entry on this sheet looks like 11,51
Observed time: 12,20
